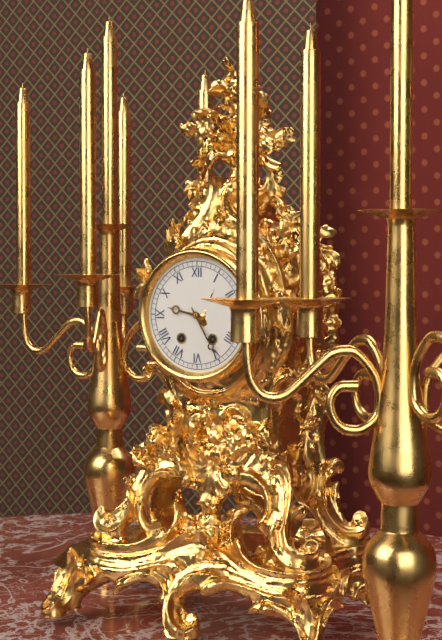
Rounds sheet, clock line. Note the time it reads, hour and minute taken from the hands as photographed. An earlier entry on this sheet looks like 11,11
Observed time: 9,25
